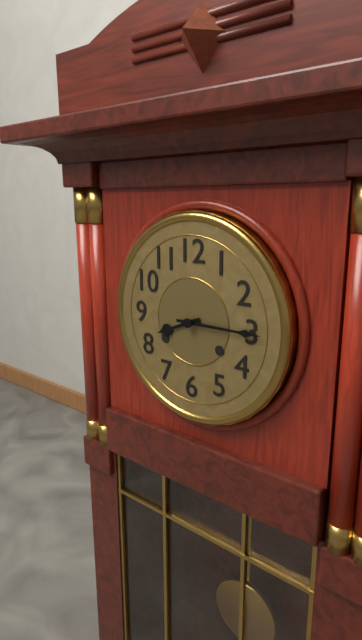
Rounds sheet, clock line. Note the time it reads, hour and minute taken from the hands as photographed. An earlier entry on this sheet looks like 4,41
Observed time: 8,15
